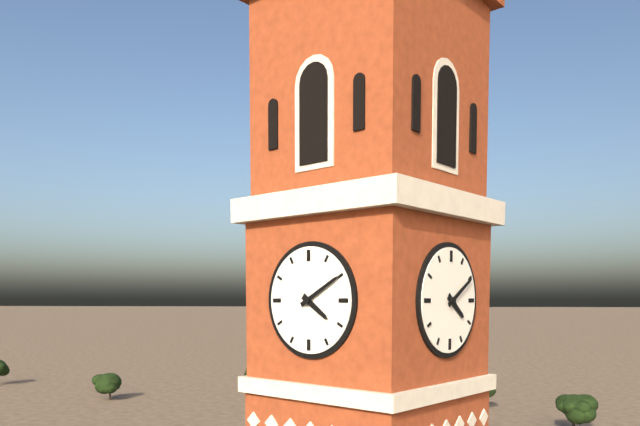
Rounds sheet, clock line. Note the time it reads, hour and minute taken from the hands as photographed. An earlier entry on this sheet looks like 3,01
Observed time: 4,10
